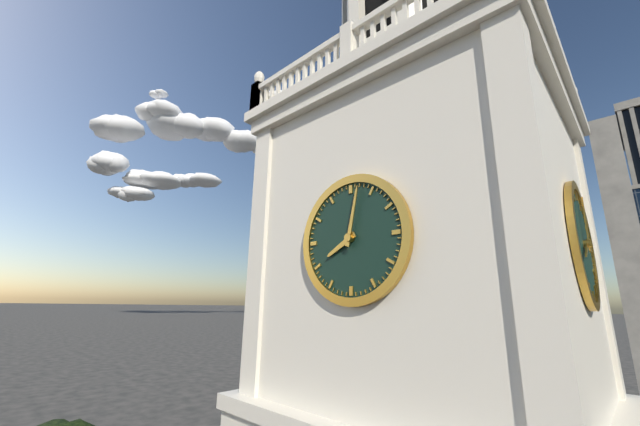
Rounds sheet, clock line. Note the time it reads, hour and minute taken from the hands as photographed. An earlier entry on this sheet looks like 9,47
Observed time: 8,02
